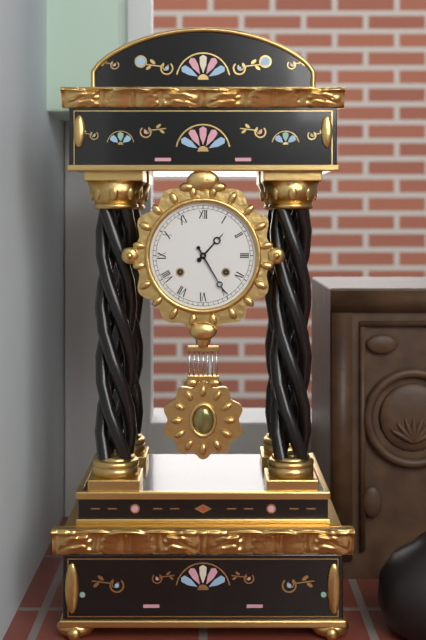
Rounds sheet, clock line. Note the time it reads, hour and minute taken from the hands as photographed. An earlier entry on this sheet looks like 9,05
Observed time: 1,25
